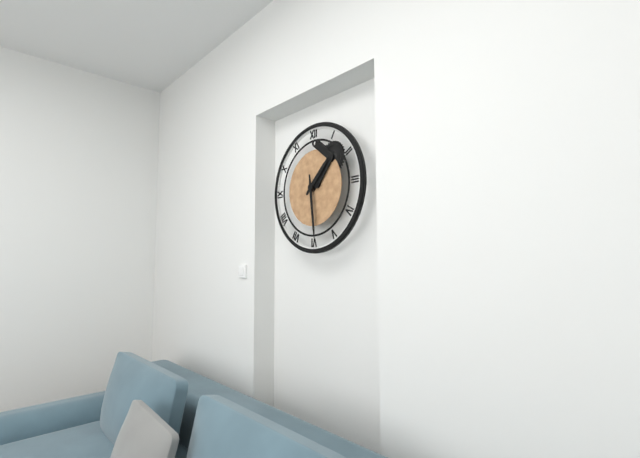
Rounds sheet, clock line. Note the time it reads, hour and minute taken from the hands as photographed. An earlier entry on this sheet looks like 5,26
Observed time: 1,29
